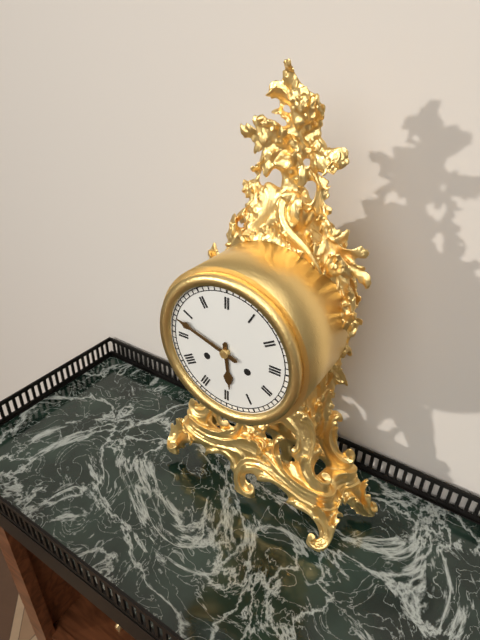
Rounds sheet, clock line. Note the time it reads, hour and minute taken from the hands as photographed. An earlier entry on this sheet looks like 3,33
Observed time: 5,48
